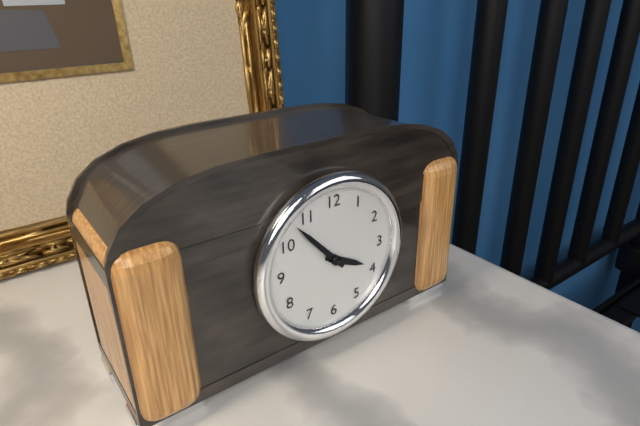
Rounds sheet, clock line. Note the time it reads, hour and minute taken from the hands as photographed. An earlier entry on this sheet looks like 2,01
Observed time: 3,53
